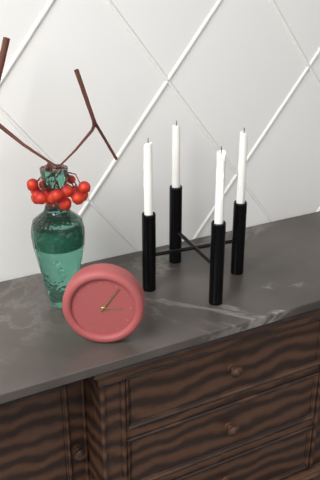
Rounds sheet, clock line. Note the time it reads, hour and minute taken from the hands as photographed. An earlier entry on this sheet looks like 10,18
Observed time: 3,06
